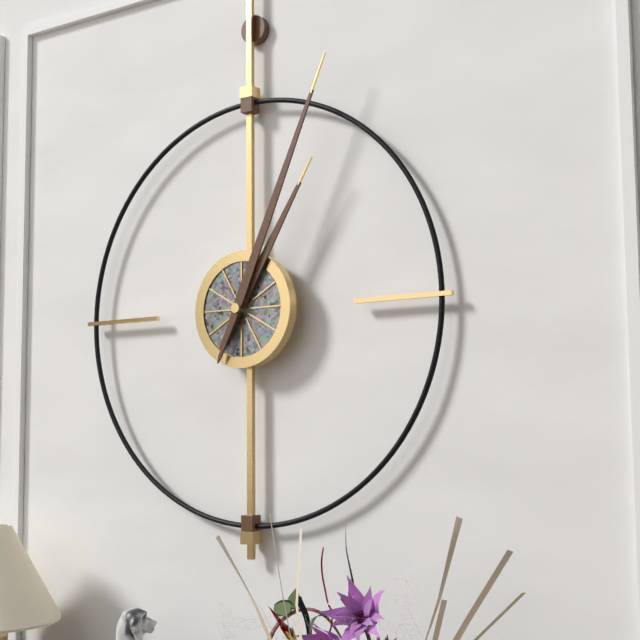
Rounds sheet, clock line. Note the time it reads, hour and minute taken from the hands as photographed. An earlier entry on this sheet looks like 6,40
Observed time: 1,04
